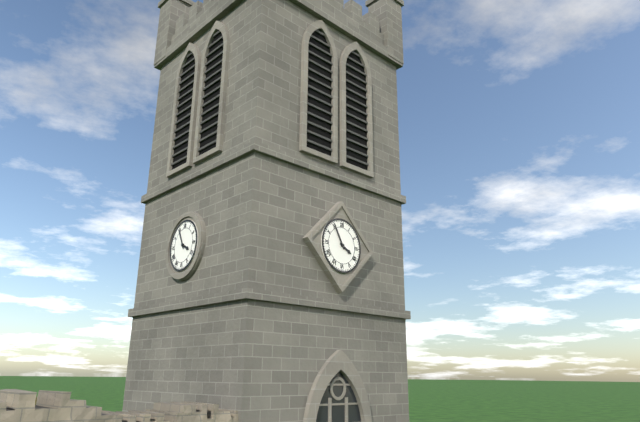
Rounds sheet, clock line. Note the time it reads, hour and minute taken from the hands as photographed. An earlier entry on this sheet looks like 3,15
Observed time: 3,55
